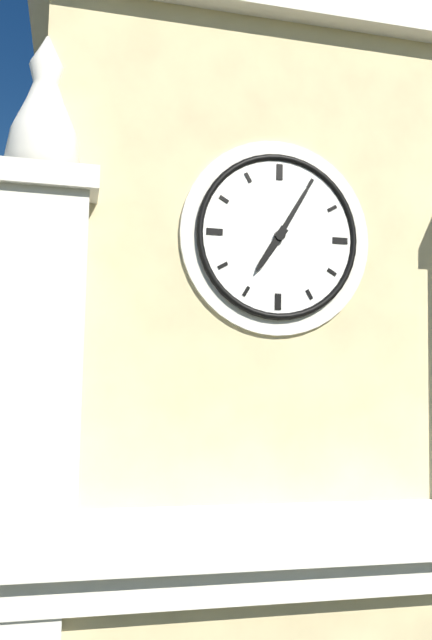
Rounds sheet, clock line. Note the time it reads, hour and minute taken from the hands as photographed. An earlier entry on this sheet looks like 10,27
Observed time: 7,05
